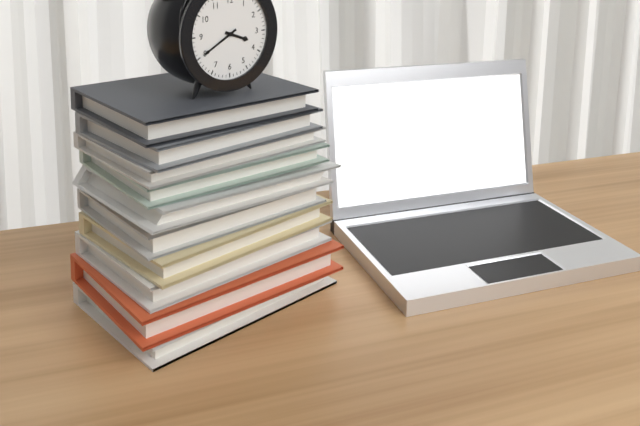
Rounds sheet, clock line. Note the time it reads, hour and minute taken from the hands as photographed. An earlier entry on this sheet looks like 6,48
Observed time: 3,40
